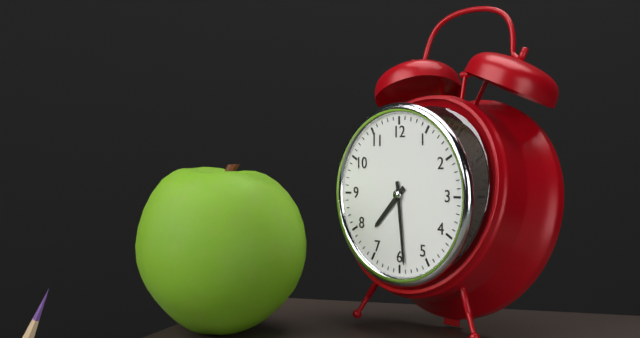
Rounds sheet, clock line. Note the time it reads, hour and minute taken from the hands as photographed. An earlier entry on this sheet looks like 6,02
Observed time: 7,29
